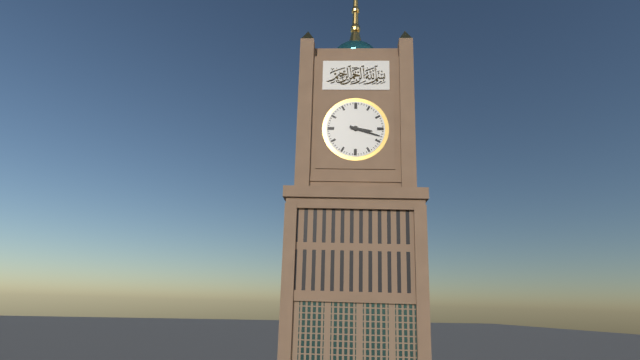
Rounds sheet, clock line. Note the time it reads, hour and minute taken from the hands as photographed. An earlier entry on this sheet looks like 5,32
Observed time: 3,18
